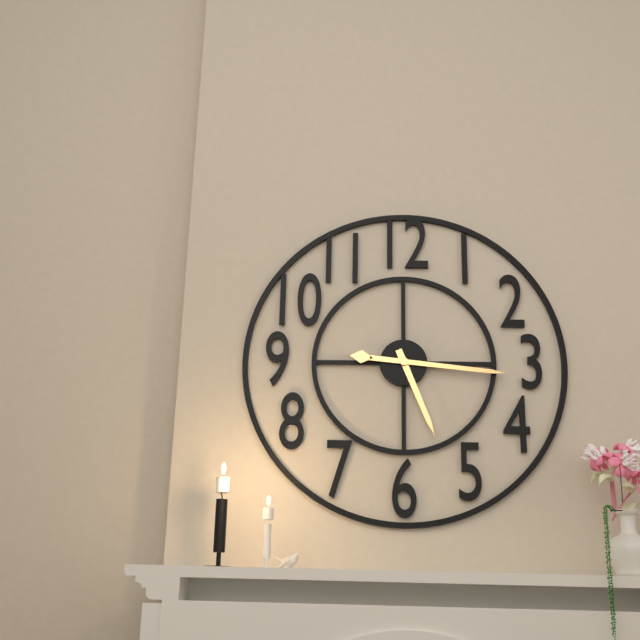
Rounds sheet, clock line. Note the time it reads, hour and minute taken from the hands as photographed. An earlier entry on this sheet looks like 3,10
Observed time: 5,16
